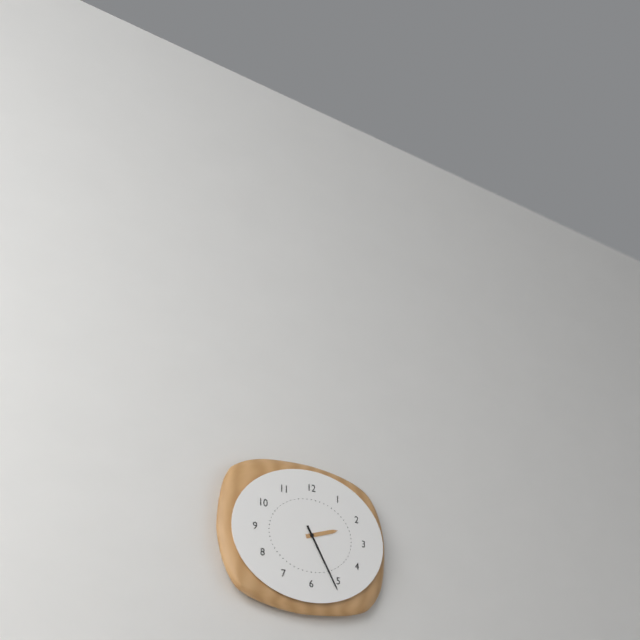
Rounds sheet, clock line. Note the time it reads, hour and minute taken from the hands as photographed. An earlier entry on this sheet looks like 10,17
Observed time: 2,25
